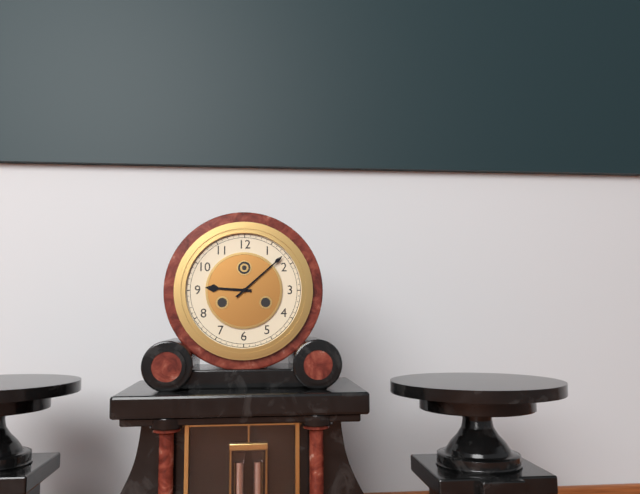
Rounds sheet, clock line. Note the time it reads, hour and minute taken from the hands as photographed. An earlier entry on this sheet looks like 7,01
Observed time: 9,08
